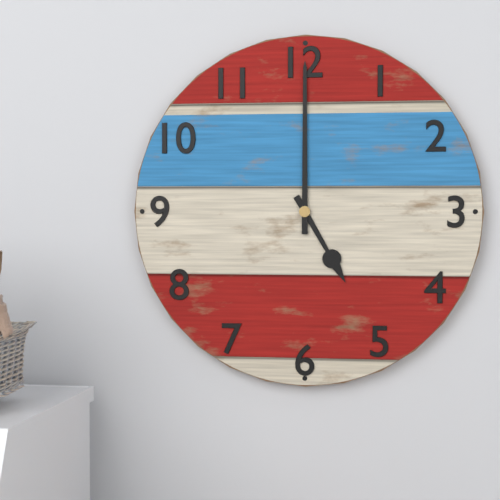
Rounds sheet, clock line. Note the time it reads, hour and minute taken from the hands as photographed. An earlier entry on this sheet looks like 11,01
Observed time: 5,00
